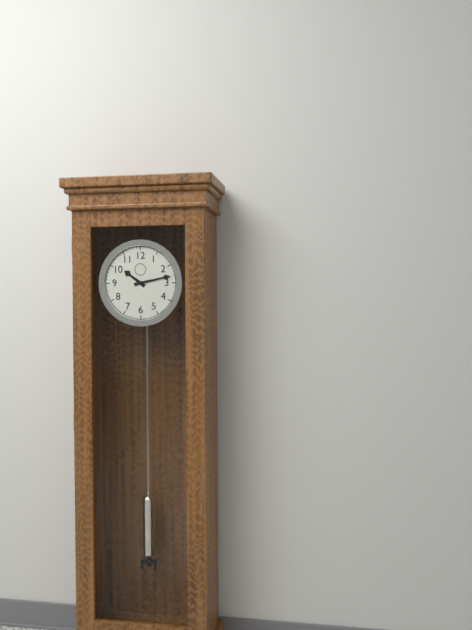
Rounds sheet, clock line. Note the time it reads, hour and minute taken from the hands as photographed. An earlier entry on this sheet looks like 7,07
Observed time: 10,13
